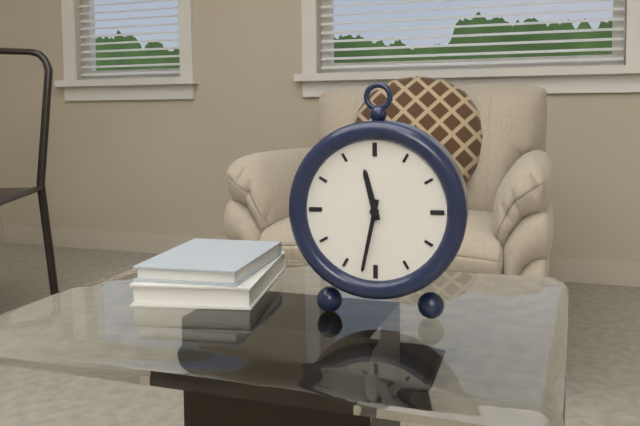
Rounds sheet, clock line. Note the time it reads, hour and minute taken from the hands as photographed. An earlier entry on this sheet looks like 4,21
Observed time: 11,32
